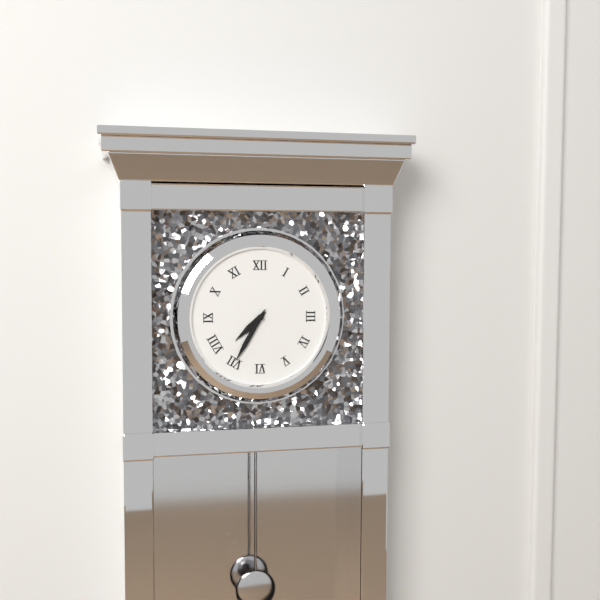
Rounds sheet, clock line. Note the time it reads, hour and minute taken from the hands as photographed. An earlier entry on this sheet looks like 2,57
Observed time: 7,35
